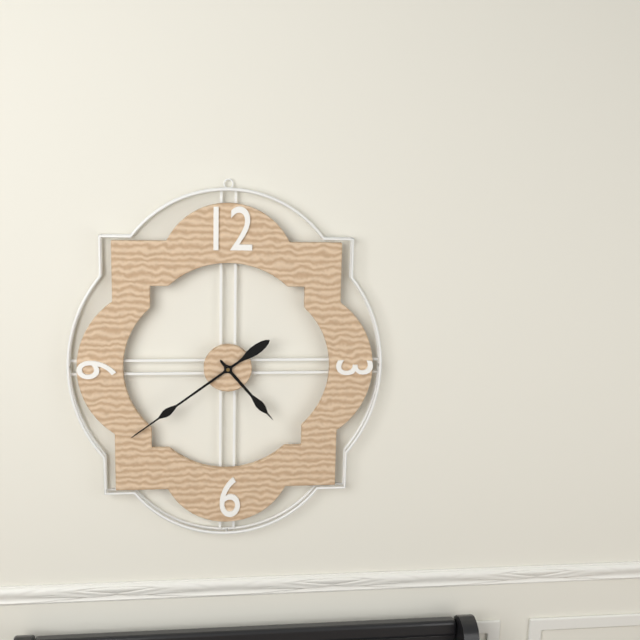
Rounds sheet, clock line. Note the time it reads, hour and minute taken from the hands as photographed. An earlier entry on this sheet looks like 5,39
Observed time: 4,39
